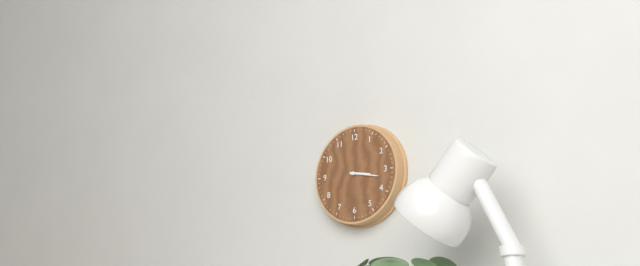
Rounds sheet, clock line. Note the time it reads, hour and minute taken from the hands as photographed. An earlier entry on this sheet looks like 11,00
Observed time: 3,17
